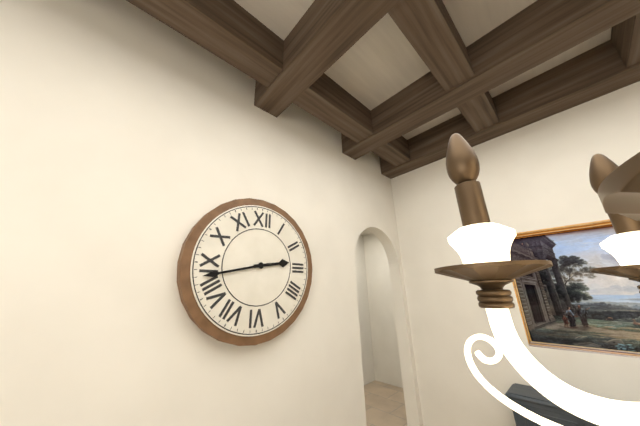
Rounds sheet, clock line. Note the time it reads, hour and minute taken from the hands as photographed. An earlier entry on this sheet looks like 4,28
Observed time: 2,43
